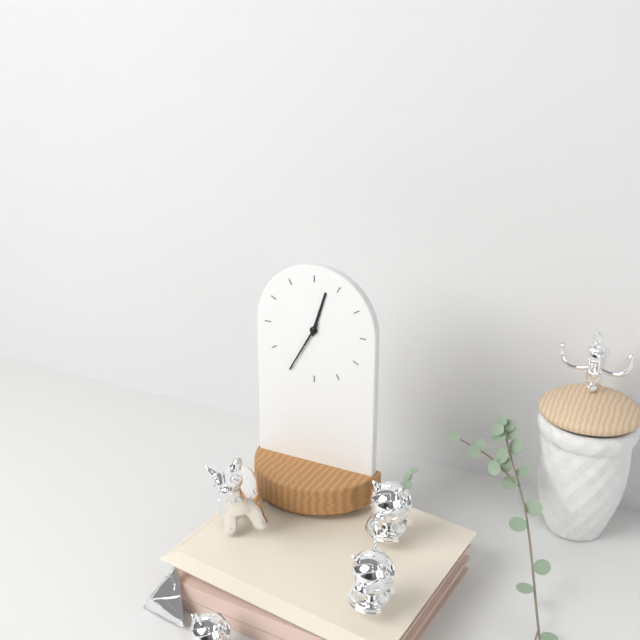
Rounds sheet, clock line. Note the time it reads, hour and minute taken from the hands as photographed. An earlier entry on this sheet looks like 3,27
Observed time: 12,35
